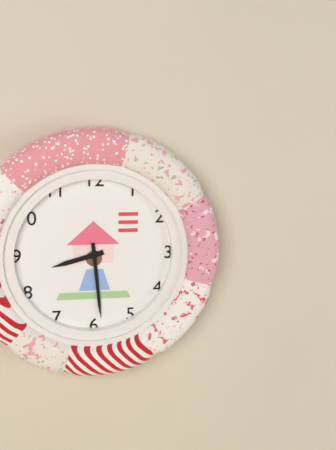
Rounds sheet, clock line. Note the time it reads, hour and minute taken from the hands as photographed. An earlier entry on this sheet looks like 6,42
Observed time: 8,29
